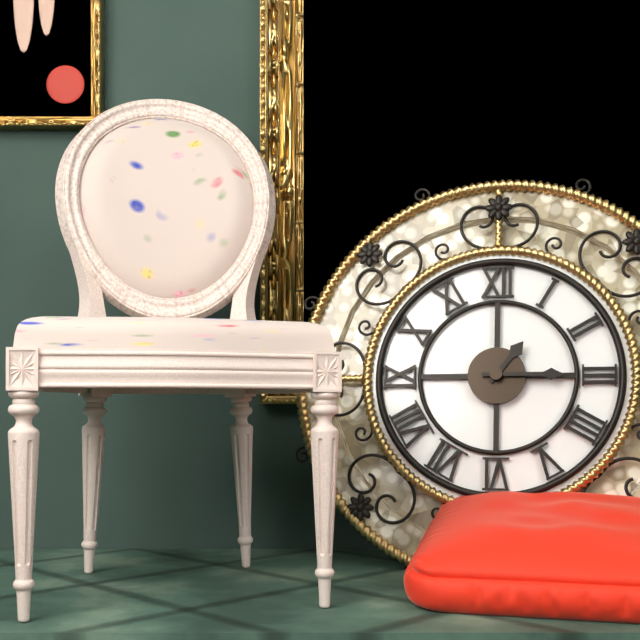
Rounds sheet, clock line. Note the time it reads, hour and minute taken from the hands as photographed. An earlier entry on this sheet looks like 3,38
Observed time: 1,15
